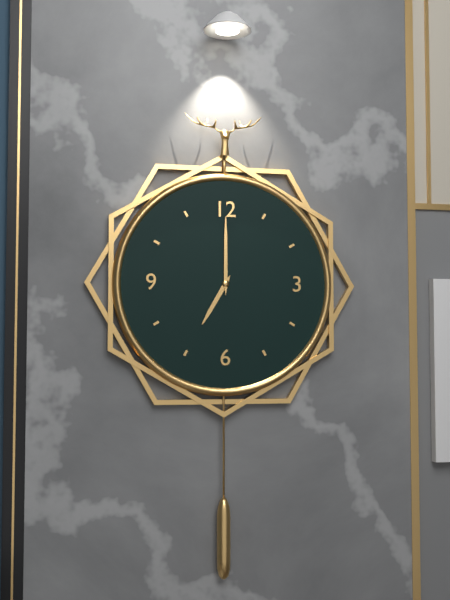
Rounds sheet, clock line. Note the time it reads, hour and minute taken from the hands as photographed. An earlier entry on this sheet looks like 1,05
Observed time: 7,00
